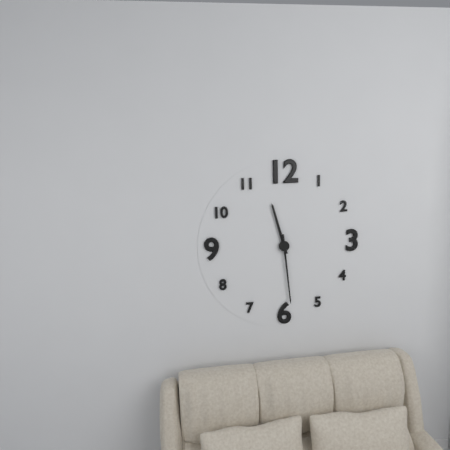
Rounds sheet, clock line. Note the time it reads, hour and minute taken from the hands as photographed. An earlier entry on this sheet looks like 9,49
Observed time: 11,29
